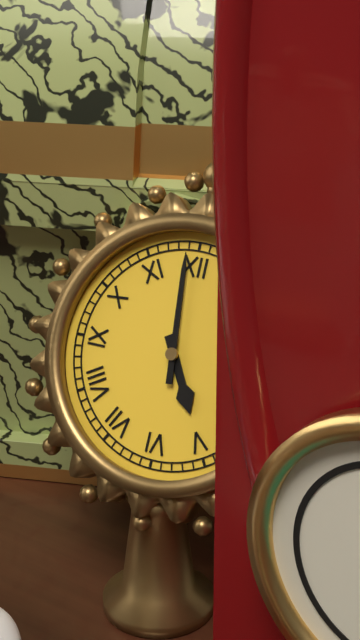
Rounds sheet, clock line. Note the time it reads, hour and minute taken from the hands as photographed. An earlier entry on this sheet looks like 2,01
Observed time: 4,59
